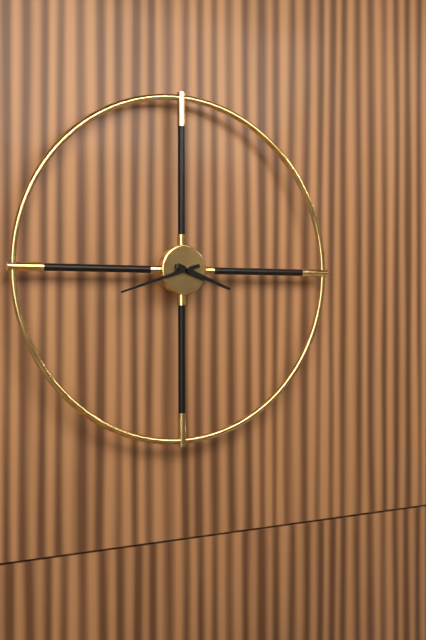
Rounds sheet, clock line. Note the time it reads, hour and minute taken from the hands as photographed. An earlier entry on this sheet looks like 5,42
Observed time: 3,42
